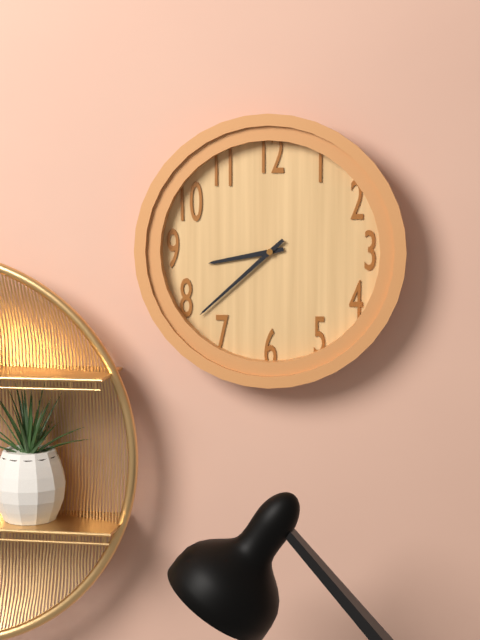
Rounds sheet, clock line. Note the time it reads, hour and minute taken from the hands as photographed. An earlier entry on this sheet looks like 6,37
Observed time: 8,38
